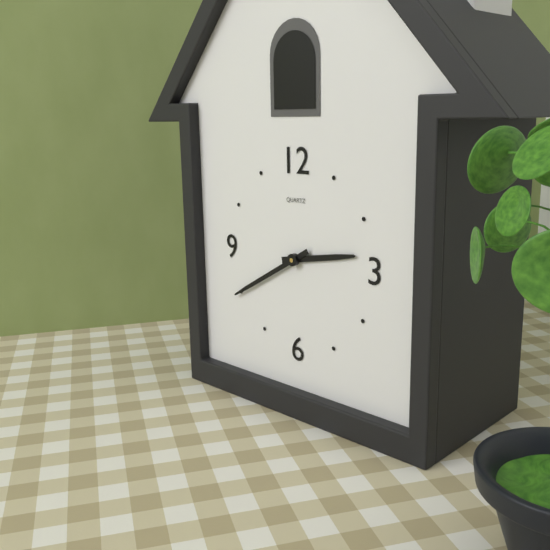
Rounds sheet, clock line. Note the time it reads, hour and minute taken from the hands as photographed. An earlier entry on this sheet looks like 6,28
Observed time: 2,40
